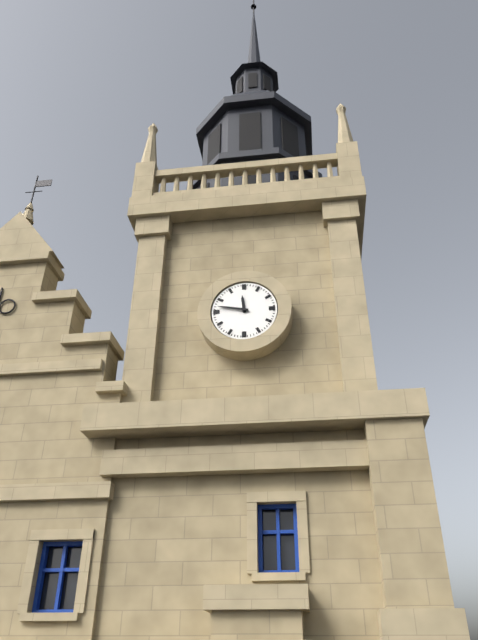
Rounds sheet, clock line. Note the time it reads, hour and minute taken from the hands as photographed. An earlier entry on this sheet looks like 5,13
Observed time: 11,47
